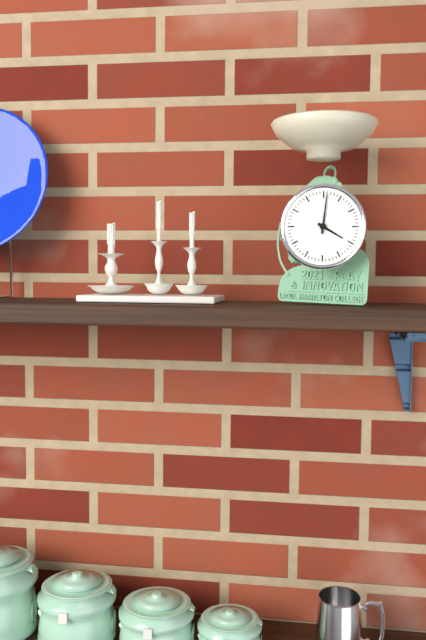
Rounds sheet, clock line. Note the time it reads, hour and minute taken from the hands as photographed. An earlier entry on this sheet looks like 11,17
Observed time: 4,01
